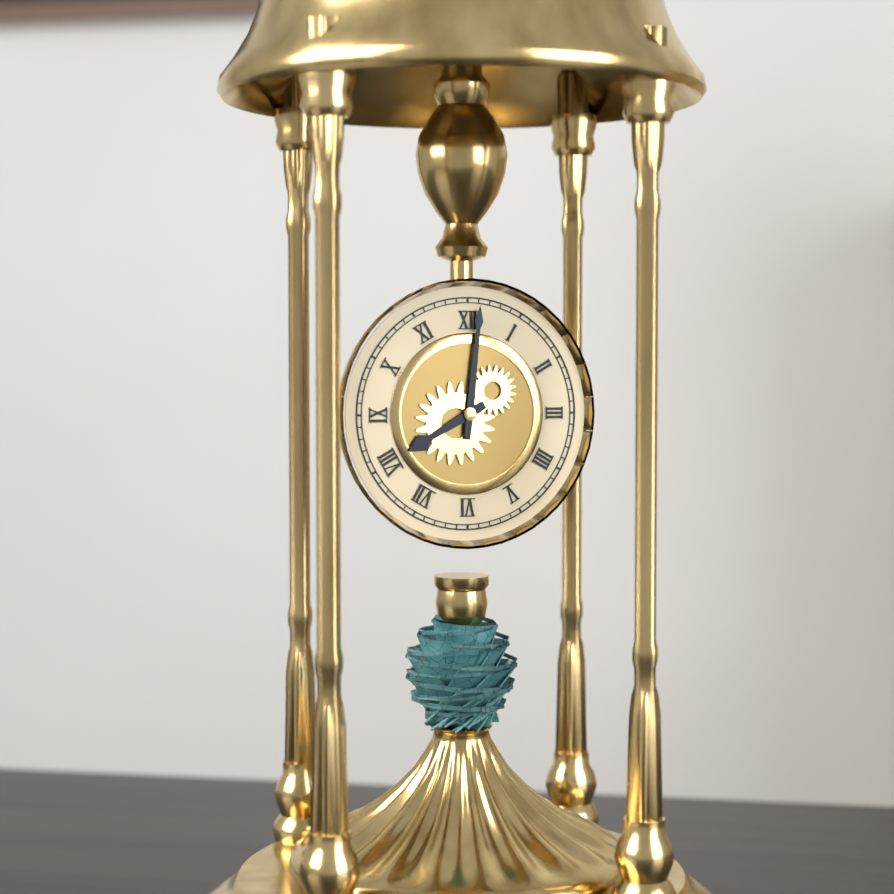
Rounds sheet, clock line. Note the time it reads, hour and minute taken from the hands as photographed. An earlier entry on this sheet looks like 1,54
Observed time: 8,01
